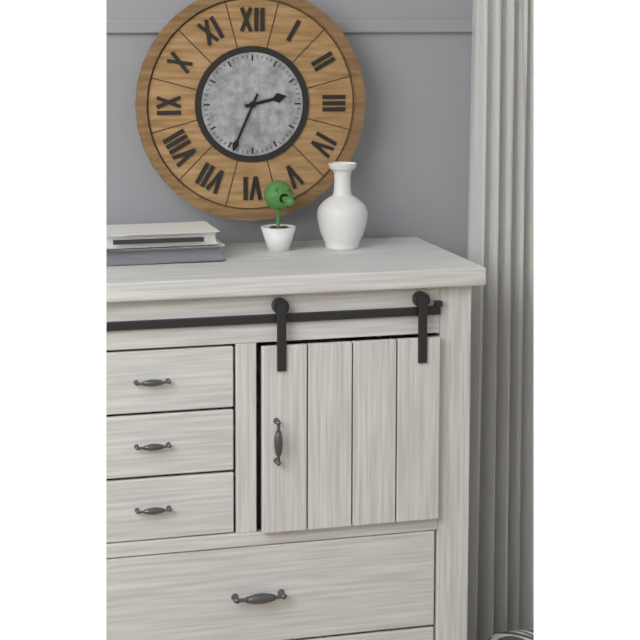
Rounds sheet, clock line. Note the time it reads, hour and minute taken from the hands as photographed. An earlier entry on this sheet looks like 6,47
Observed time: 2,34
